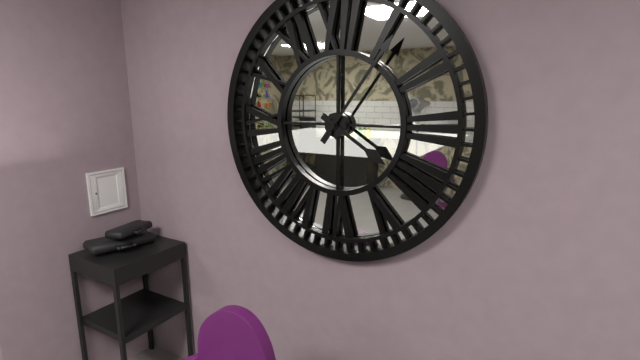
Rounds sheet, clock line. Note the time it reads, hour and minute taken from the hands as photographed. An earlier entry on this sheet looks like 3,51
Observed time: 4,06
